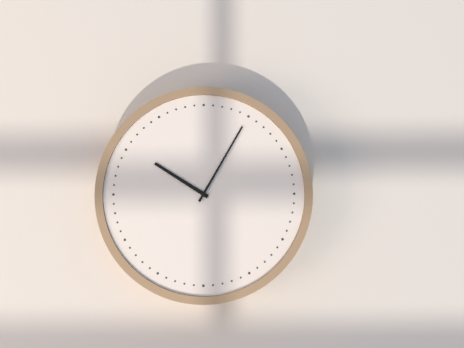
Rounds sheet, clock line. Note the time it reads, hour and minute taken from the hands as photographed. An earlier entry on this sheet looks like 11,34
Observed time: 10,05
